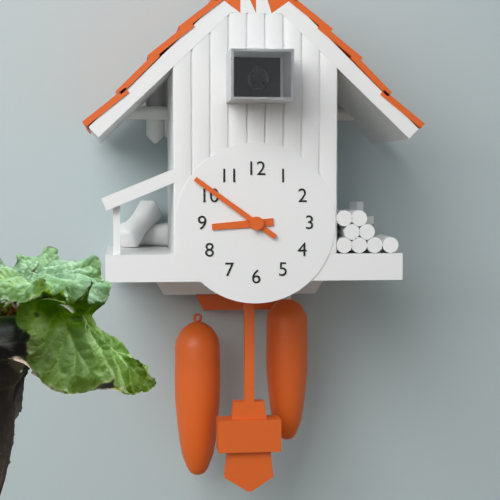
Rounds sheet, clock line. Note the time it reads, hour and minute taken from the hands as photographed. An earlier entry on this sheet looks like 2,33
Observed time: 8,51
